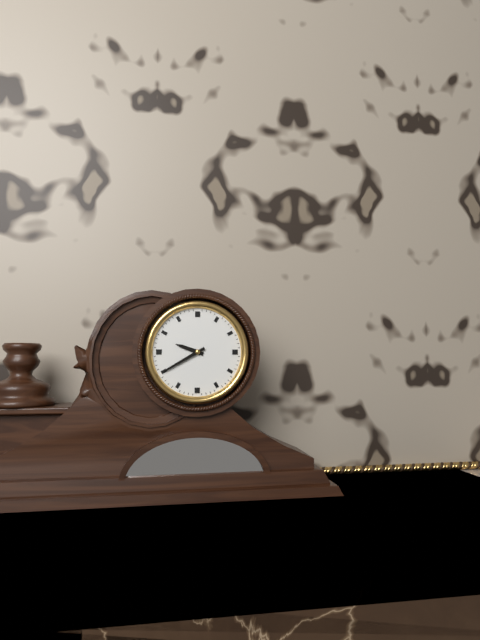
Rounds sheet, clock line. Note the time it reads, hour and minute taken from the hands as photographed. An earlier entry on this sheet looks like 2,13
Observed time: 9,40
